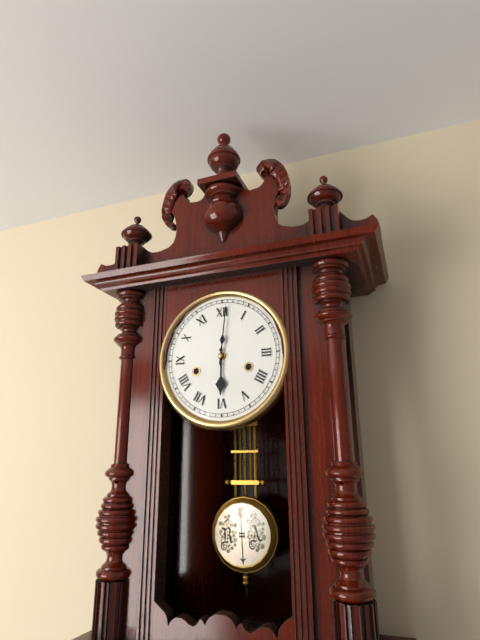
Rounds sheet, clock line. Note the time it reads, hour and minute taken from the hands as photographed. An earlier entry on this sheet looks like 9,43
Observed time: 6,01
